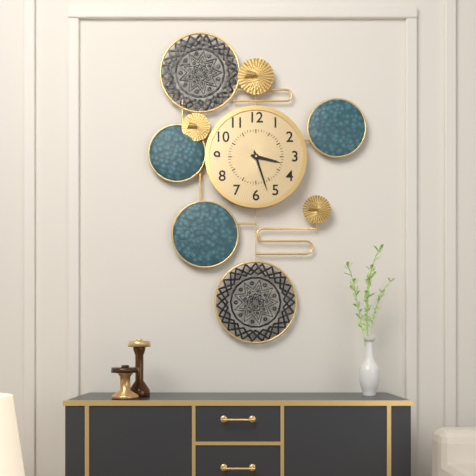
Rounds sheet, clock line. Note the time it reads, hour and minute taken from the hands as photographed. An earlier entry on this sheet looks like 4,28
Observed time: 3,27
